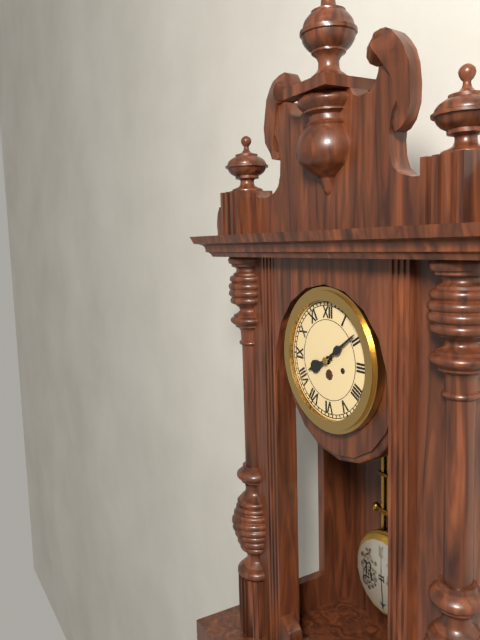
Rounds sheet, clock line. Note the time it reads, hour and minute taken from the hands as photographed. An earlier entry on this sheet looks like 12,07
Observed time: 8,09
